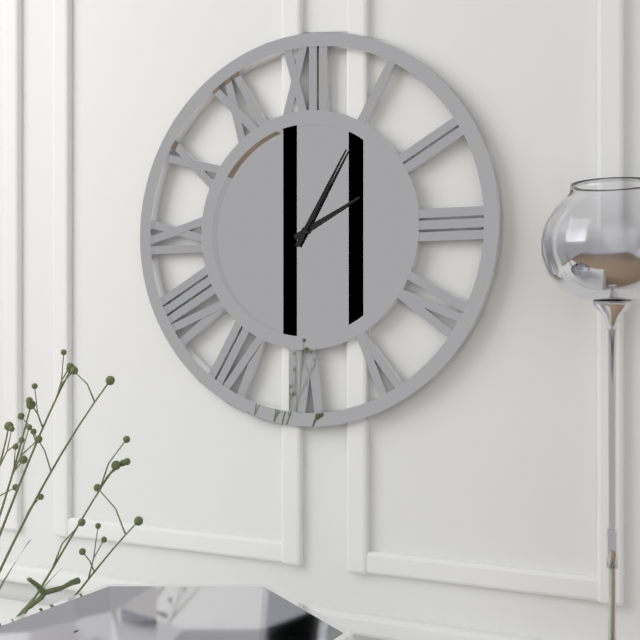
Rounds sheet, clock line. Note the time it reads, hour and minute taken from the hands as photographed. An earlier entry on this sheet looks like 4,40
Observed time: 2,05
